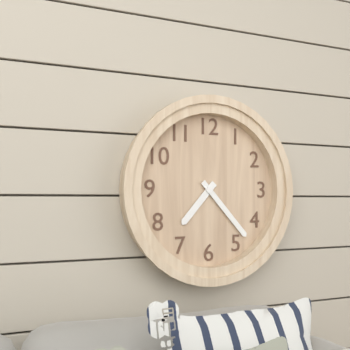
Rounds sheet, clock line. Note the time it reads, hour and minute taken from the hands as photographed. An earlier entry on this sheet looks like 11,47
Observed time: 7,23
